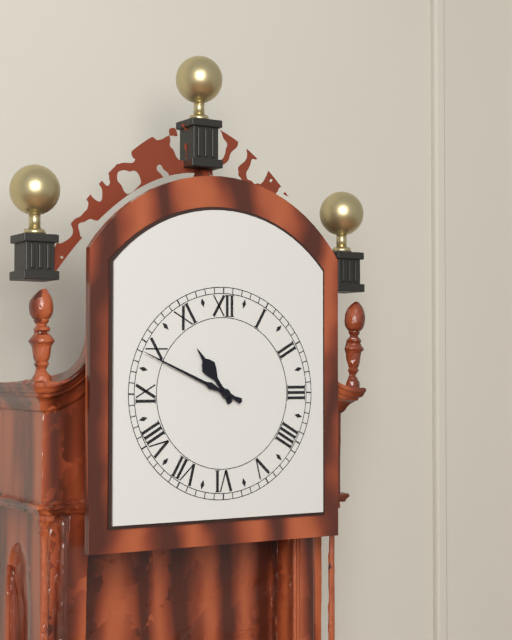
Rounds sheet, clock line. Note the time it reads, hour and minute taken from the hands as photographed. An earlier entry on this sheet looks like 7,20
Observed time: 10,49
